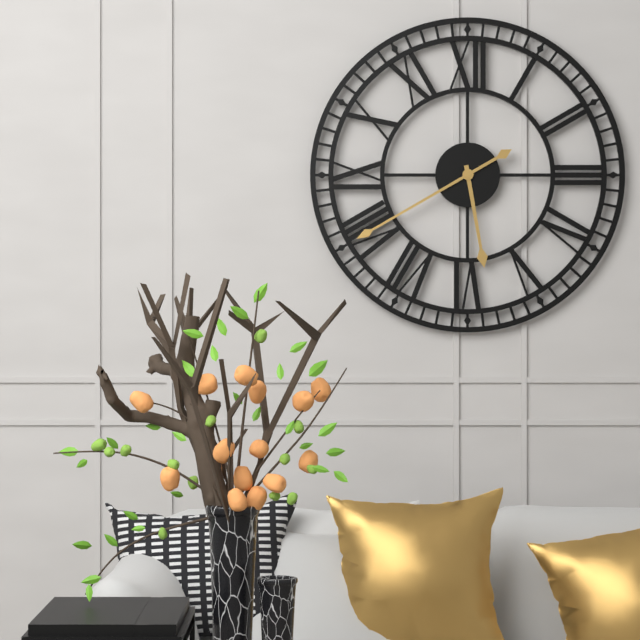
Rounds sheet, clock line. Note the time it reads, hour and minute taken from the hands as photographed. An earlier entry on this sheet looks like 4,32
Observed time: 5,40
